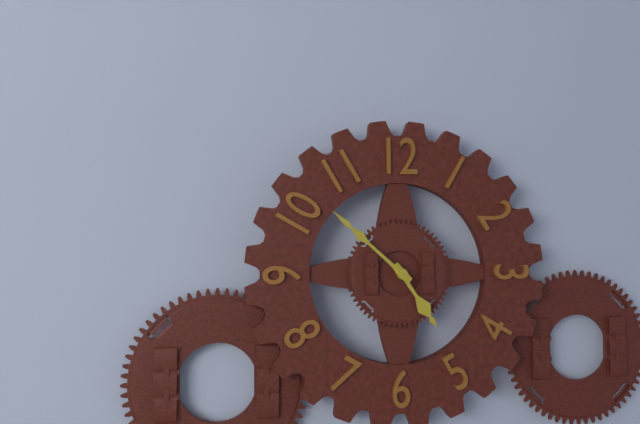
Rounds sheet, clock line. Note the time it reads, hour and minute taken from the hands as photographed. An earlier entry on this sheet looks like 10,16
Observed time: 4,52
